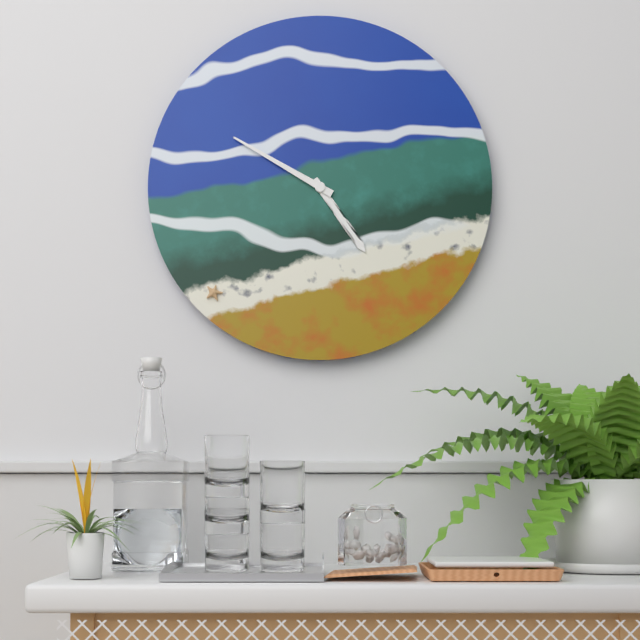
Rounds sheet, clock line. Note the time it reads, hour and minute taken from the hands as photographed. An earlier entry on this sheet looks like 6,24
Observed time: 4,50
